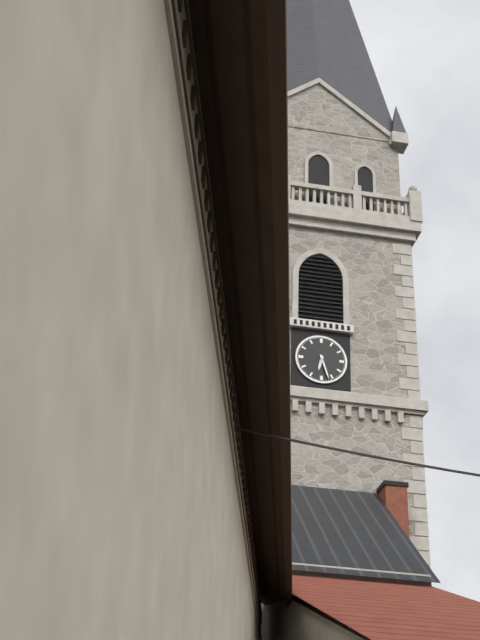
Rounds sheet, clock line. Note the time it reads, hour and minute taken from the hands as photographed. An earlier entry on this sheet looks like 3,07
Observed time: 6,27
